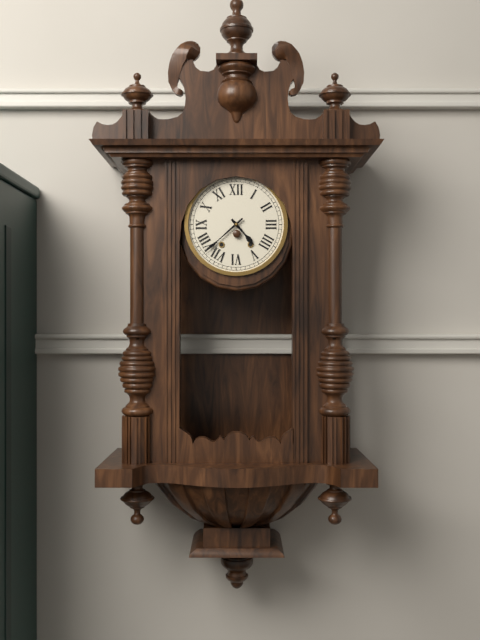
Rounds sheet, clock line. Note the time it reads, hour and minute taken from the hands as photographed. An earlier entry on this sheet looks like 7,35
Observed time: 4,38
